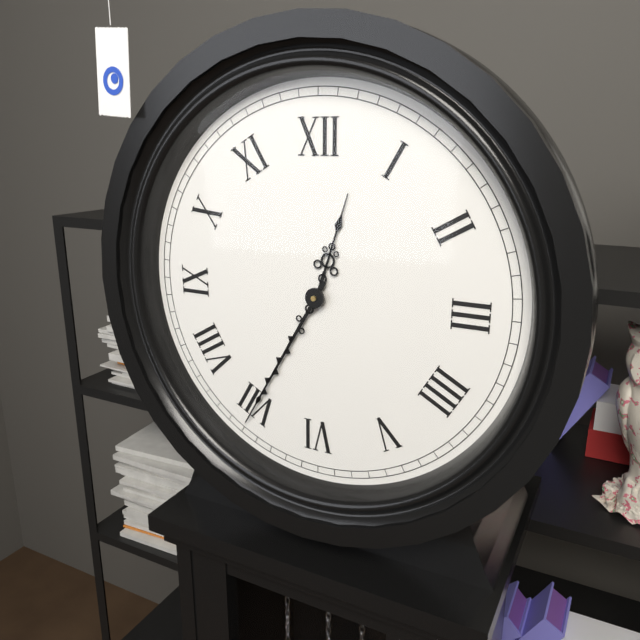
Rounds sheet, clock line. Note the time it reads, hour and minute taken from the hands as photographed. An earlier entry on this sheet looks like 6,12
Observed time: 12,35
